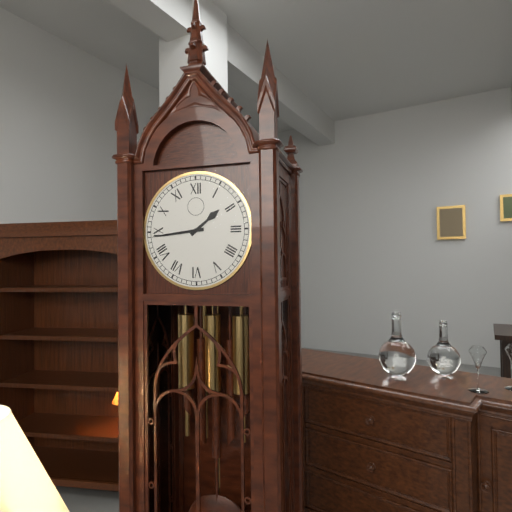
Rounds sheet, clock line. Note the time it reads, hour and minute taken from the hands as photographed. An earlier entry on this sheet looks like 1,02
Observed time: 1,44
